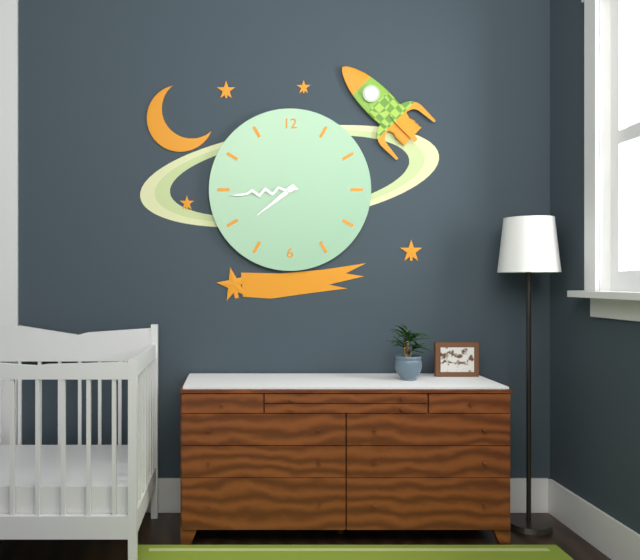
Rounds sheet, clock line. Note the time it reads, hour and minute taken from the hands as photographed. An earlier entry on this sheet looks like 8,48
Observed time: 7,44
